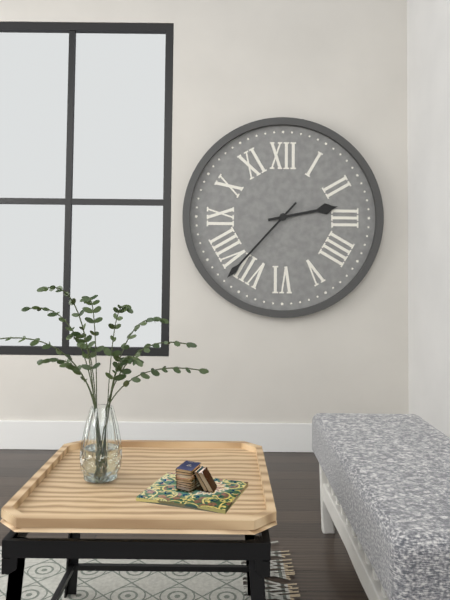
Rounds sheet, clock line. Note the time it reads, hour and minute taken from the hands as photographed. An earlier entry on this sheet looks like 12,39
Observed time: 2,37
